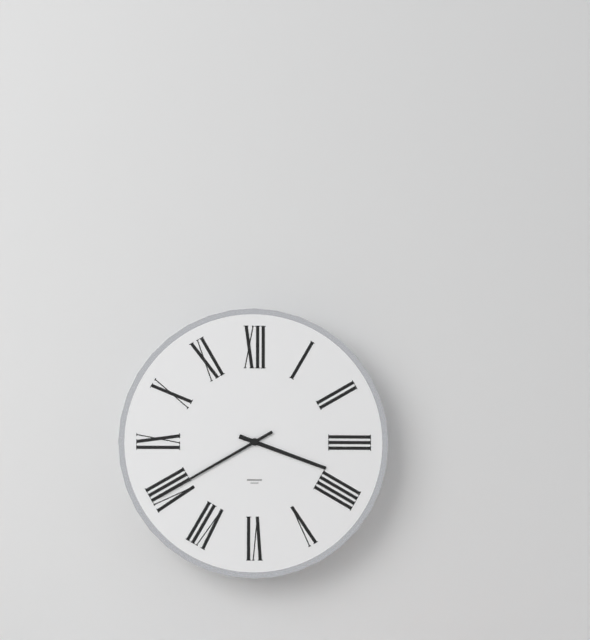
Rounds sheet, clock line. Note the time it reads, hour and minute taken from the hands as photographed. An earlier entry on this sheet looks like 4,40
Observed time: 3,40
